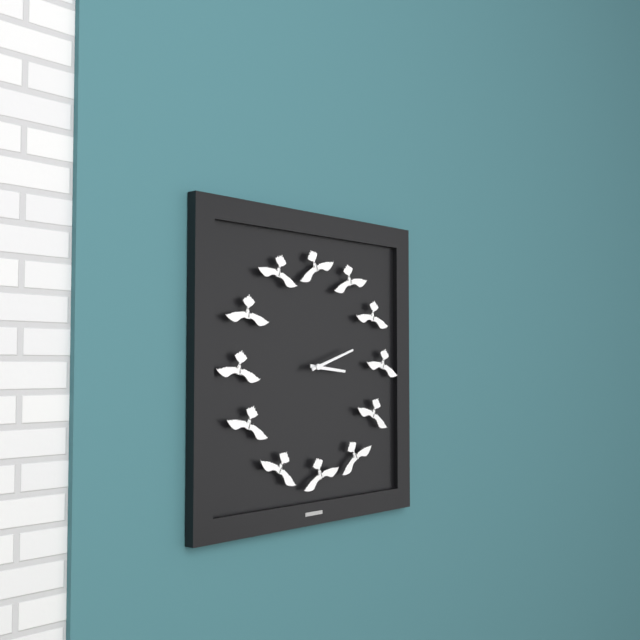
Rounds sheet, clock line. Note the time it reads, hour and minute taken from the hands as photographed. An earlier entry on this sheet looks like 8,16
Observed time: 3,12
